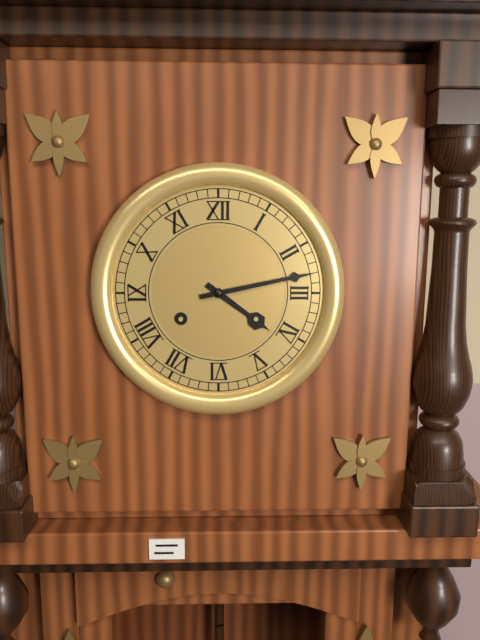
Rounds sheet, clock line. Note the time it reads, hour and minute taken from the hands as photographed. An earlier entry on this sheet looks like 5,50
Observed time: 4,13
